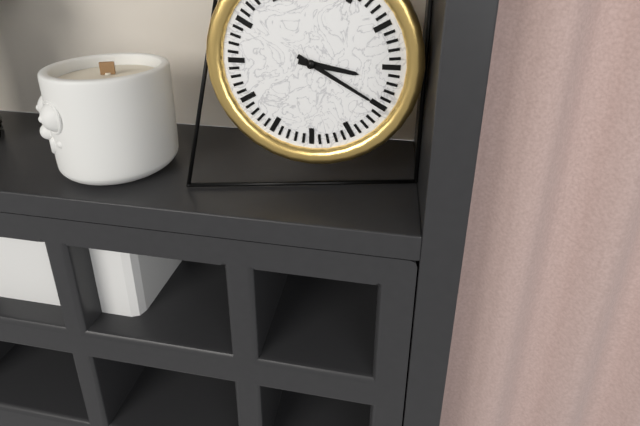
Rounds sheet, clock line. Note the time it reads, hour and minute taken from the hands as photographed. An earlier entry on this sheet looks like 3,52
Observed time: 3,20
